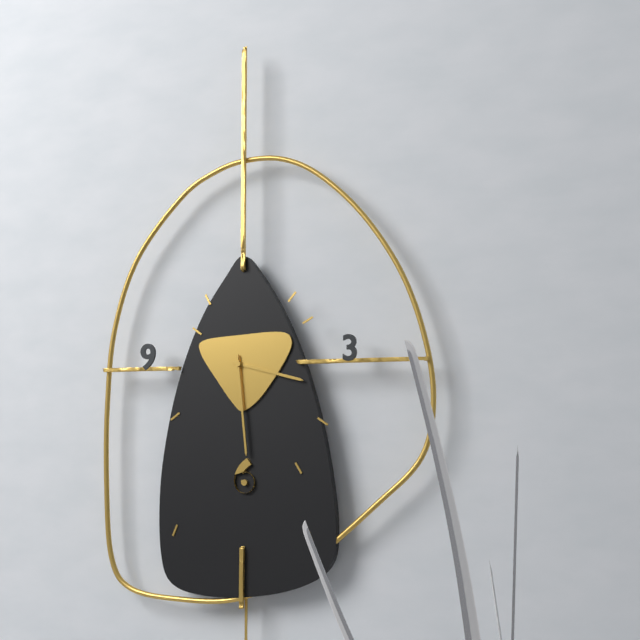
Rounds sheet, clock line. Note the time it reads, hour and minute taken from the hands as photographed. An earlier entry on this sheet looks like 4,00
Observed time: 3,29
